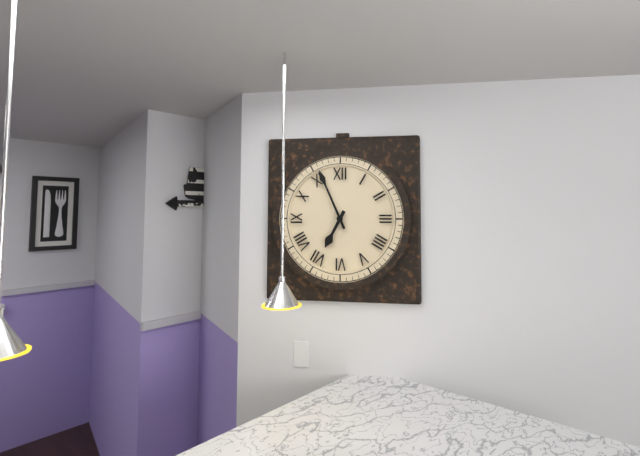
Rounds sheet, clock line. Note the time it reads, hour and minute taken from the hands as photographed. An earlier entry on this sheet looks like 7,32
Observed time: 6,56
